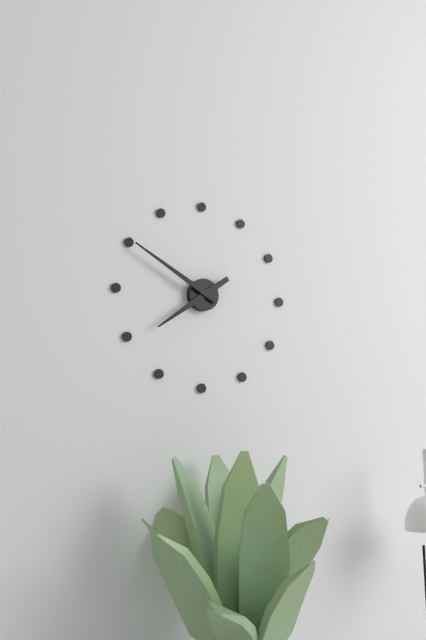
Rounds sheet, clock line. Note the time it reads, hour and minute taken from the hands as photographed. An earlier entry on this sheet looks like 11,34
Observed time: 7,50
